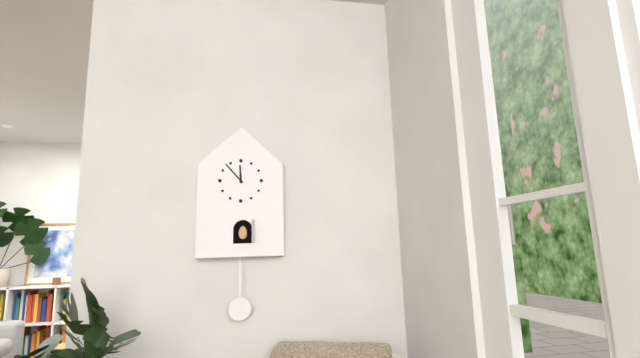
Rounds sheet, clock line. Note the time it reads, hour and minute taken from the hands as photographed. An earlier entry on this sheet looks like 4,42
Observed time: 11,53
